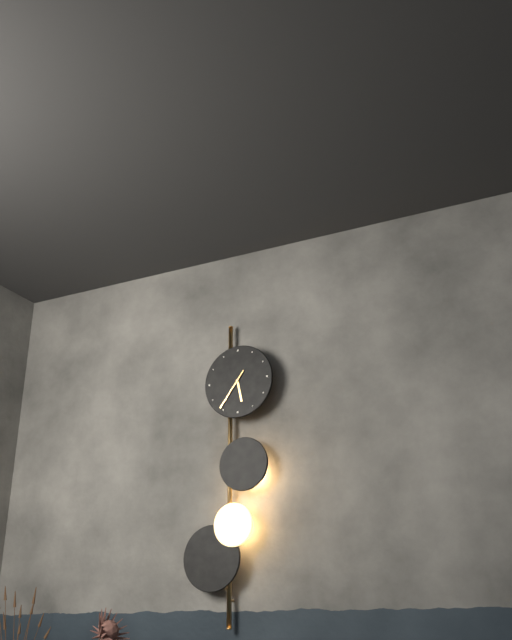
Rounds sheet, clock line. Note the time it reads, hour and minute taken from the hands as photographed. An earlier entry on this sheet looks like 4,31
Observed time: 5,36
